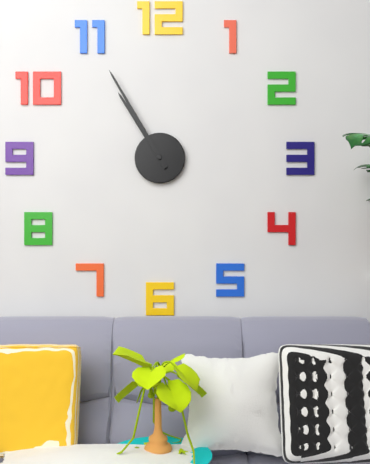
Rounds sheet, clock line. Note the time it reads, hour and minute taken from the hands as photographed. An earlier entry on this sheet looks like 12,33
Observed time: 10,55
